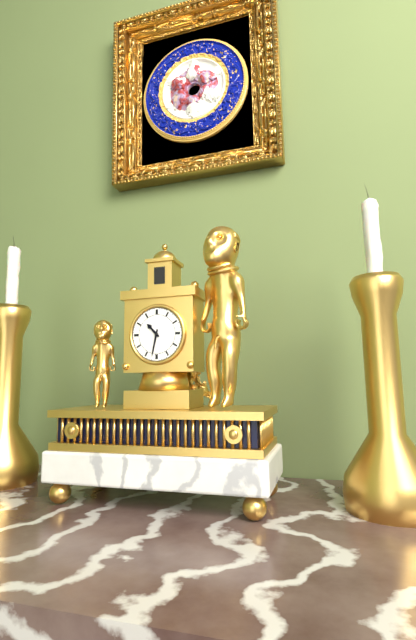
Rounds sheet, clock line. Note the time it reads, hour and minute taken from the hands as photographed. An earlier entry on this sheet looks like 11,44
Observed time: 10,32
